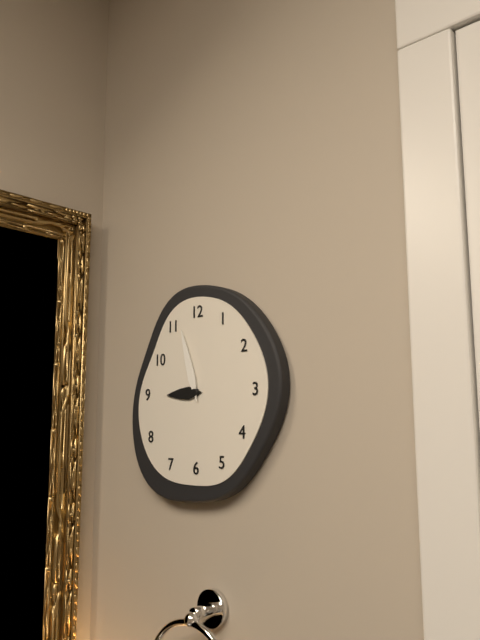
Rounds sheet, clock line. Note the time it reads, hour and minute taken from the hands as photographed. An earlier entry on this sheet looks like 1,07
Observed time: 8,57
